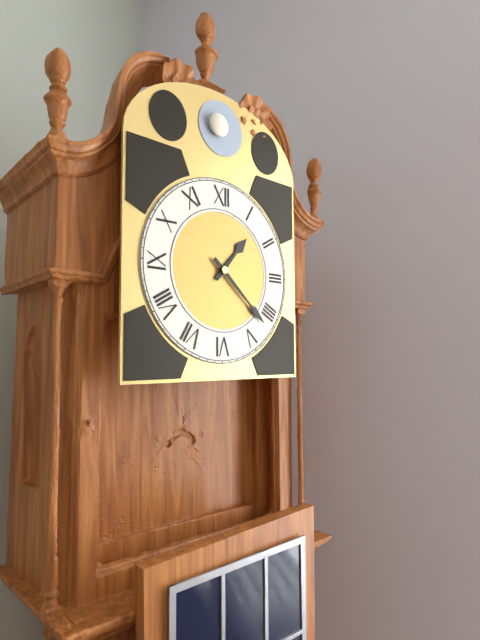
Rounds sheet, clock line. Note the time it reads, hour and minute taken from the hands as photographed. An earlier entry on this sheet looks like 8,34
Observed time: 1,22
